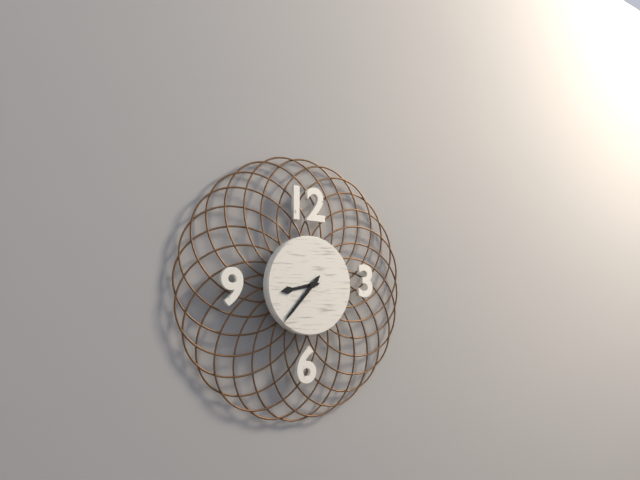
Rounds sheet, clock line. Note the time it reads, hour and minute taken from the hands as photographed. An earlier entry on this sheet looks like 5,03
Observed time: 8,37
